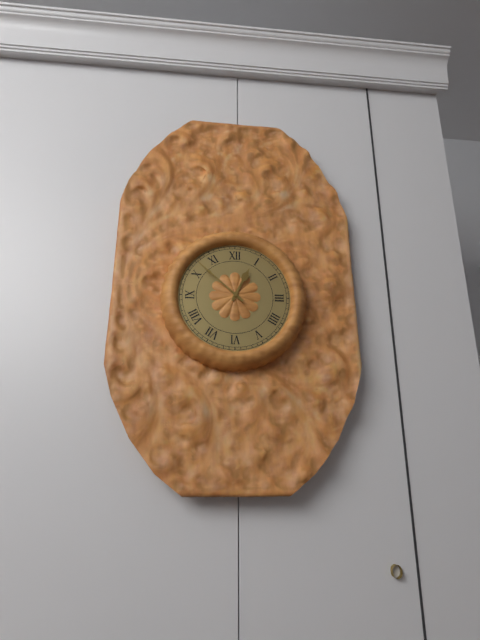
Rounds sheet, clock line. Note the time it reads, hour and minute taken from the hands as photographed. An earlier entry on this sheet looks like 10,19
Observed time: 12,52
